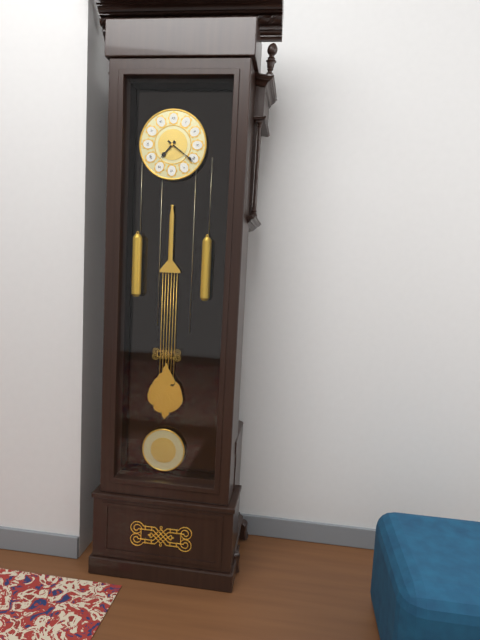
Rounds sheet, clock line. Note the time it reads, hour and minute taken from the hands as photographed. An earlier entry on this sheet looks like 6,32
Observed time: 7,21
